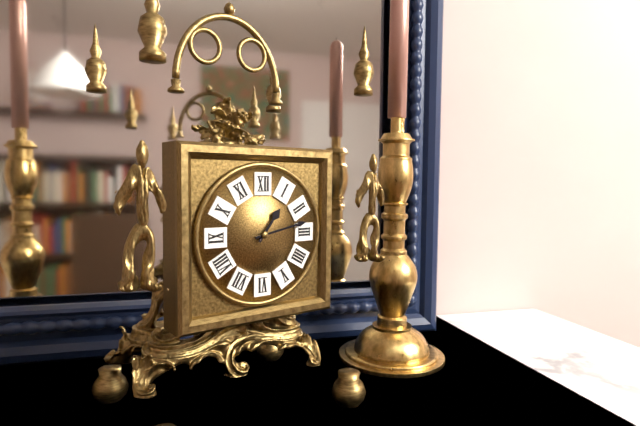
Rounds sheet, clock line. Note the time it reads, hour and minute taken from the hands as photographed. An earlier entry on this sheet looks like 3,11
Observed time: 1,13
